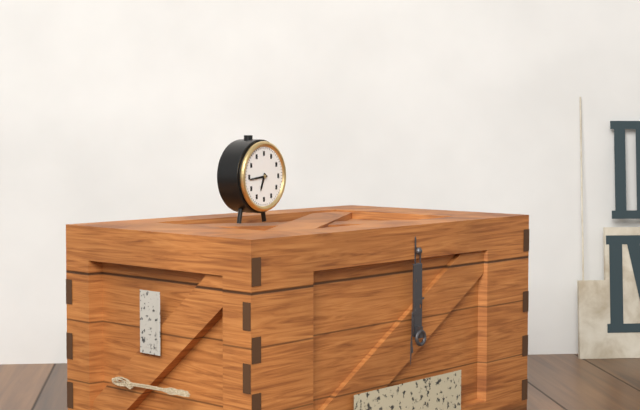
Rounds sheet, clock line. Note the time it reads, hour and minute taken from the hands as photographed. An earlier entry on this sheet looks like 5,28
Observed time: 6,44
